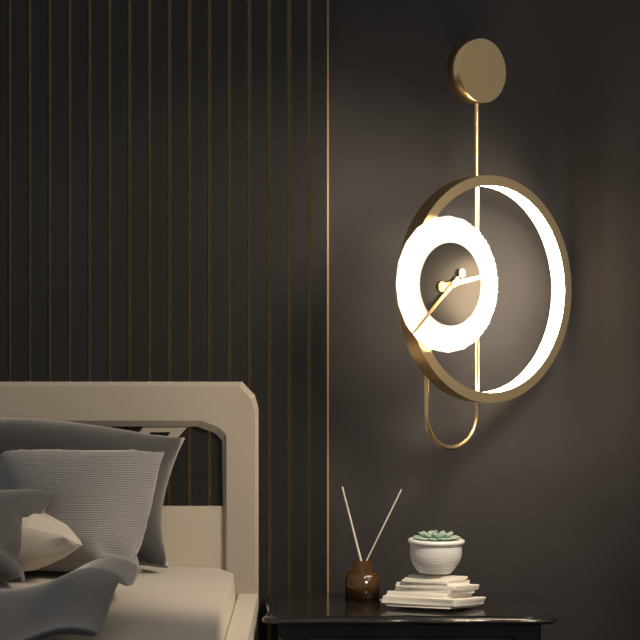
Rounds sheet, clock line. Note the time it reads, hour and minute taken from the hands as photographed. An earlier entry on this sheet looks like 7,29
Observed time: 2,38
